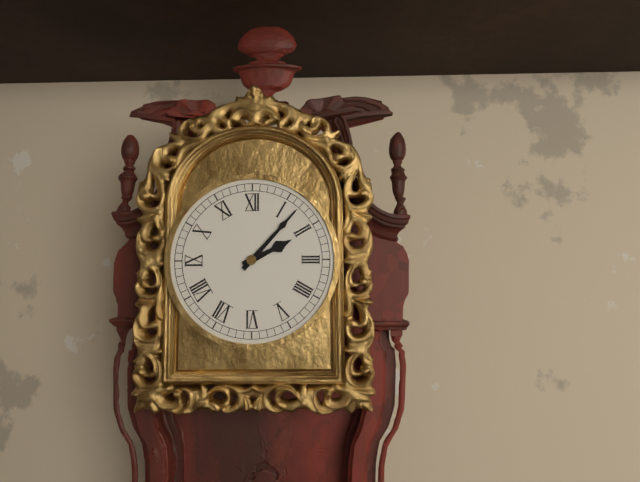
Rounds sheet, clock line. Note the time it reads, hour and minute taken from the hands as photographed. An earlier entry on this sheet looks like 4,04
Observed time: 2,07
